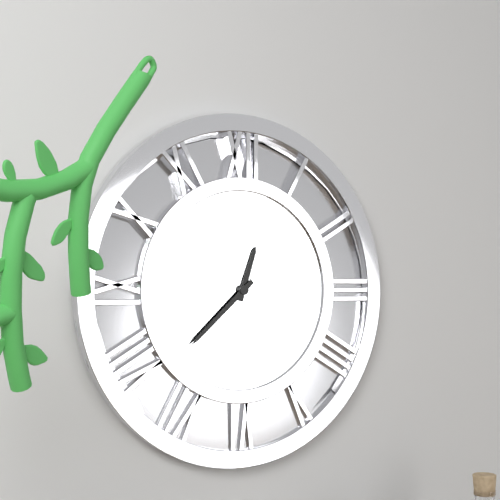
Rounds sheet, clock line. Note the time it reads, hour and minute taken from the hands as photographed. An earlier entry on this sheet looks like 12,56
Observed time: 12,38
